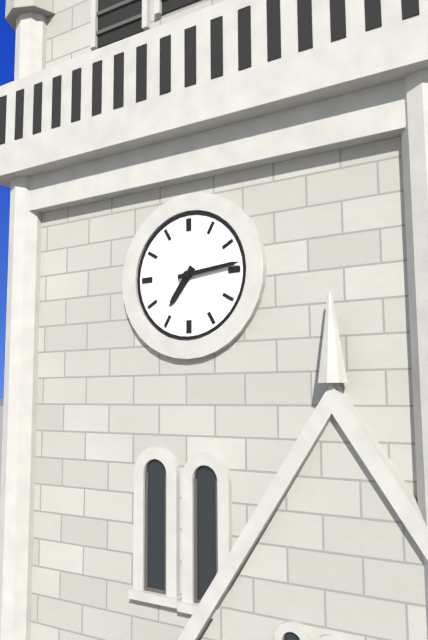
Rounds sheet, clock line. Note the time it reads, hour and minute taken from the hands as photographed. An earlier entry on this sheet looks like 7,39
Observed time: 7,14
